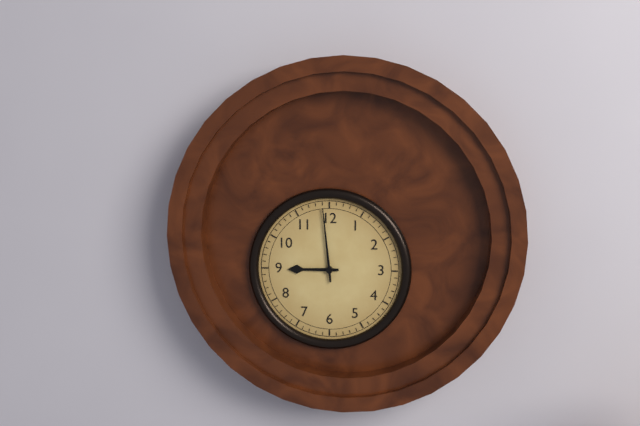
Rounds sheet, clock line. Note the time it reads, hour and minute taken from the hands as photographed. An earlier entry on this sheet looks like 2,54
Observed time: 8,59
